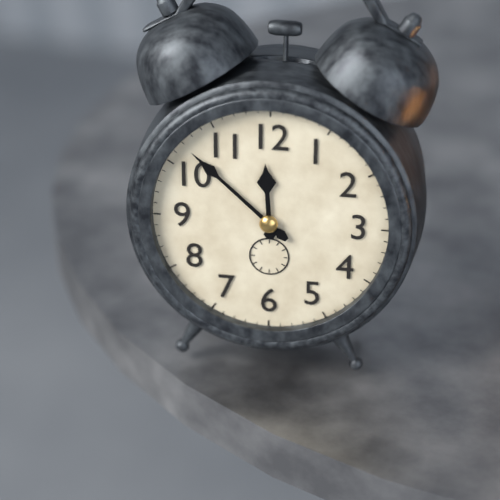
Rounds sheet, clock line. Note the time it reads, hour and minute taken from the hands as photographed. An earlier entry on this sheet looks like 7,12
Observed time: 11,52
